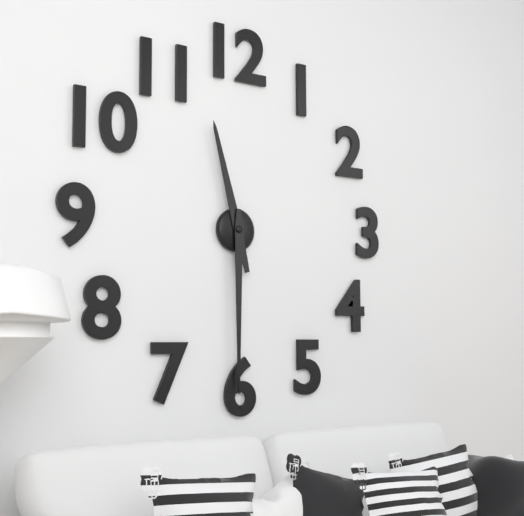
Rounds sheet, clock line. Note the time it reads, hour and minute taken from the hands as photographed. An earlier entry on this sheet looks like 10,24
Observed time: 11,30
